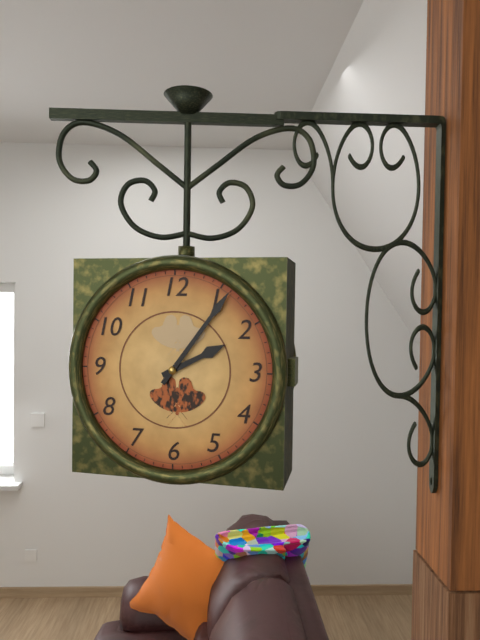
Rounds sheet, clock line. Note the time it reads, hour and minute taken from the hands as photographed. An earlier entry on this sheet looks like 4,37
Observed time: 2,06
